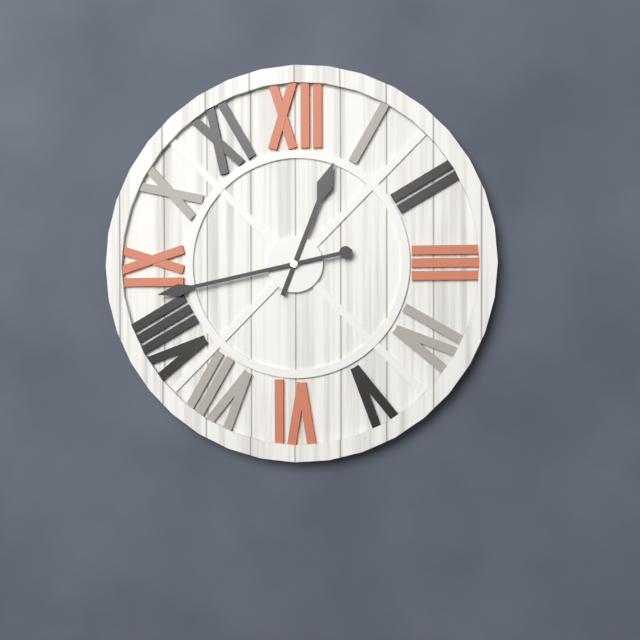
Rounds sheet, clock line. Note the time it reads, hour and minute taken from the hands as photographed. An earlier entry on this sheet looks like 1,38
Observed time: 12,43
